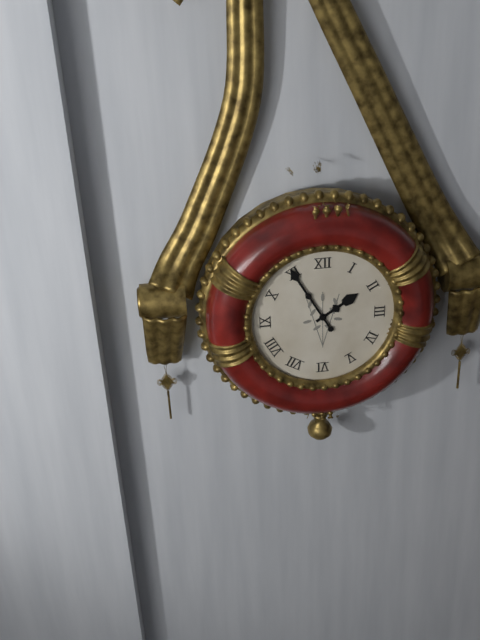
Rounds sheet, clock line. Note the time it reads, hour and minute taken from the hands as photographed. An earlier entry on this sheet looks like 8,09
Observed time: 1,55
